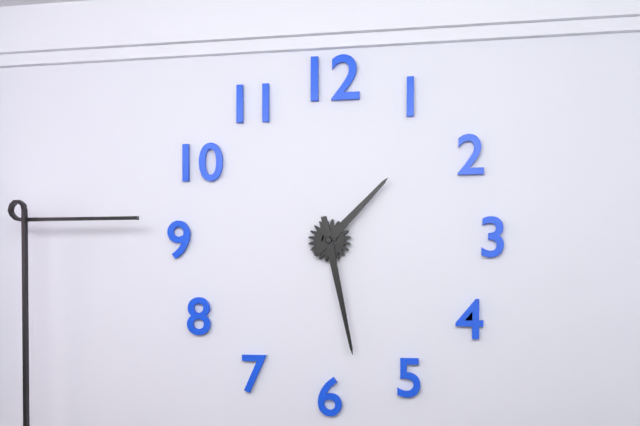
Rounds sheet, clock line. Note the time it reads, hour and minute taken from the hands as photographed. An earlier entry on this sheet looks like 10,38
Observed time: 1,28
